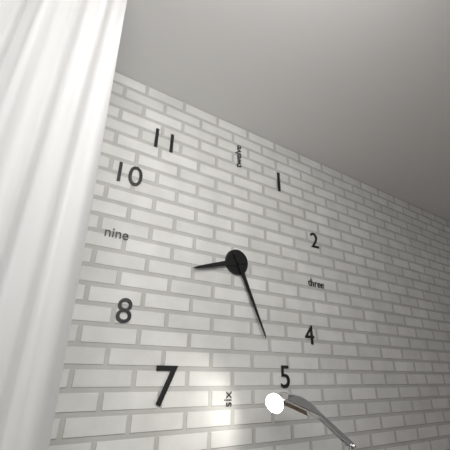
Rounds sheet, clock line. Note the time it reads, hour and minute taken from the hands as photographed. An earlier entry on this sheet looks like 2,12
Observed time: 8,26
